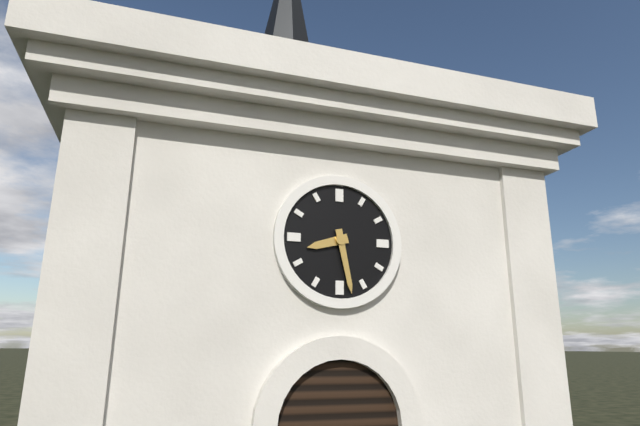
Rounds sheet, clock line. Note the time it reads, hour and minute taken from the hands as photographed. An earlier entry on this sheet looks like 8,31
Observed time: 8,28
